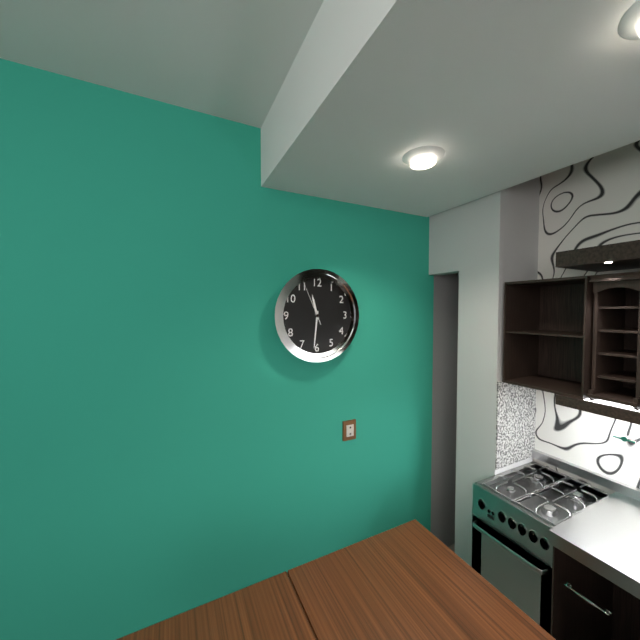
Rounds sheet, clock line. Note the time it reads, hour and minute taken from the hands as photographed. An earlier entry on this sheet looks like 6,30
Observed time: 11,31
